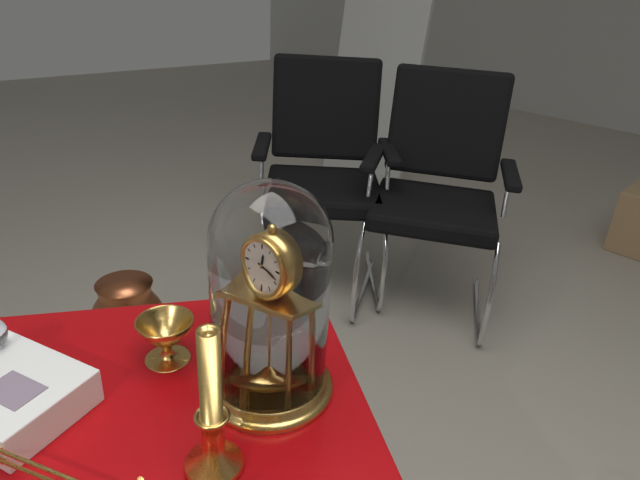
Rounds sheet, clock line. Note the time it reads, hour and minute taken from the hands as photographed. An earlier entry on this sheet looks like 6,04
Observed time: 12,18
